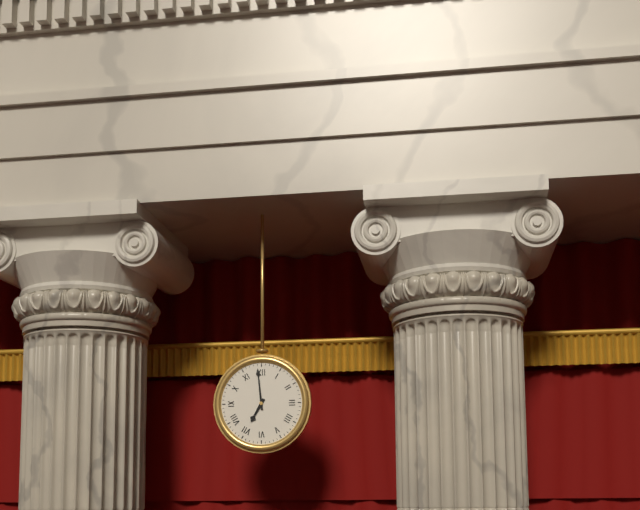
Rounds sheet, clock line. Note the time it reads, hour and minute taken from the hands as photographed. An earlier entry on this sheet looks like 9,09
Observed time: 6,59
